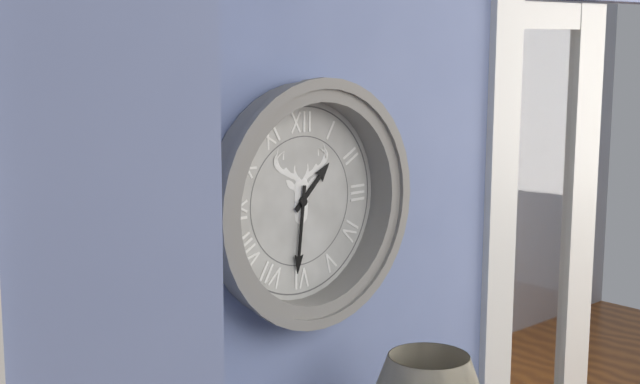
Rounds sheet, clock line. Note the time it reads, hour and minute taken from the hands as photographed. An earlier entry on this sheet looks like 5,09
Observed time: 1,31
